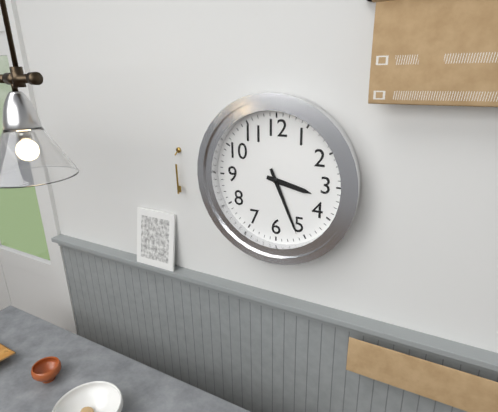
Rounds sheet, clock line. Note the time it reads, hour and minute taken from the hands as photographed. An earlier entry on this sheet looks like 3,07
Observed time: 3,26
